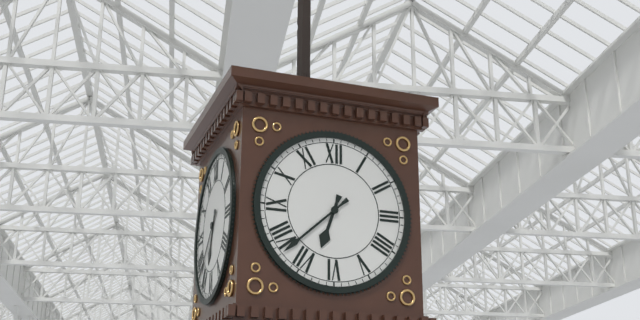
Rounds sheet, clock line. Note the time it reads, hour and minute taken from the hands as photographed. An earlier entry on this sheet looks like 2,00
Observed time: 6,38
